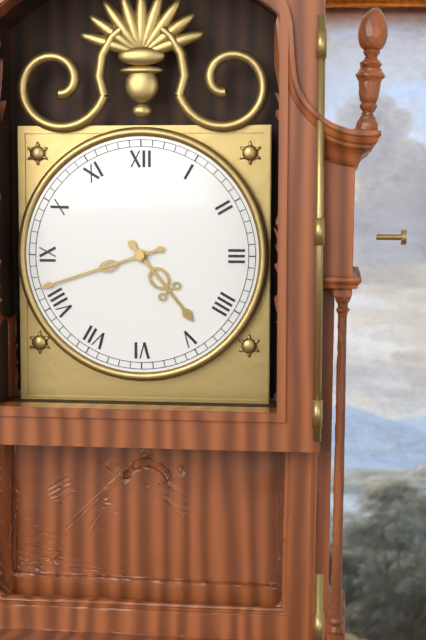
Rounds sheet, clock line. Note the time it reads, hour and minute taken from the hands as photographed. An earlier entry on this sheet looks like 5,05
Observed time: 4,42
